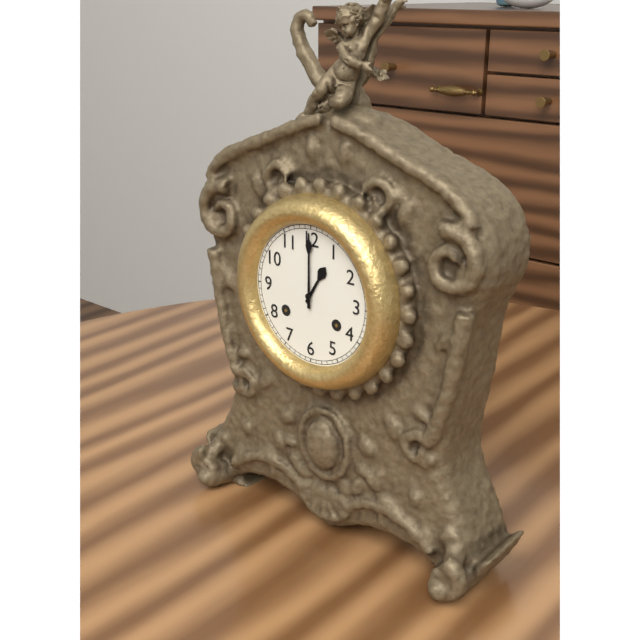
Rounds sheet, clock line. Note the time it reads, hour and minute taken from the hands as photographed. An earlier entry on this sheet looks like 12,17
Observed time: 1,00
